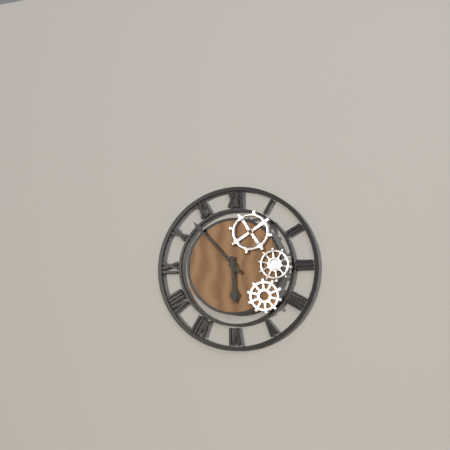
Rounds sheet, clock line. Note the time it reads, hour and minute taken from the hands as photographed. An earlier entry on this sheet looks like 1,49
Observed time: 5,53
